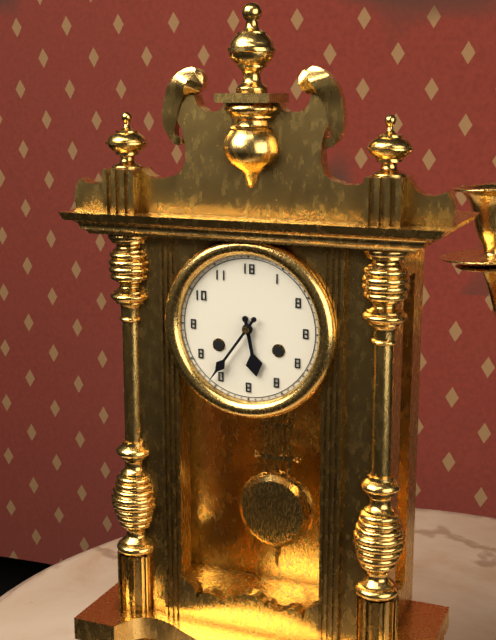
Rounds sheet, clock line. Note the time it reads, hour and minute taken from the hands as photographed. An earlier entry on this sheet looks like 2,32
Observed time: 5,36
